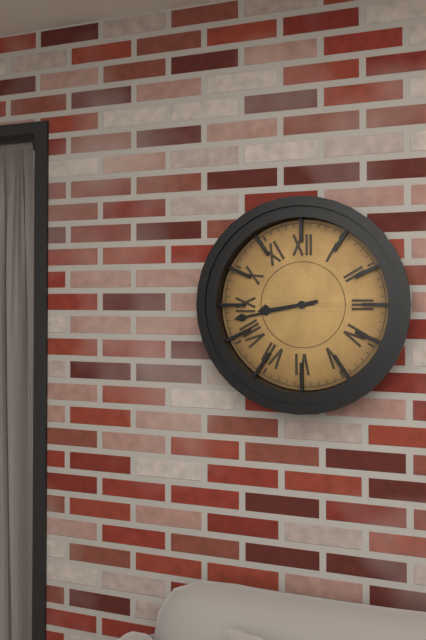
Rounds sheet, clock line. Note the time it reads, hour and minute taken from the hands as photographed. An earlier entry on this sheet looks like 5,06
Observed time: 8,43
